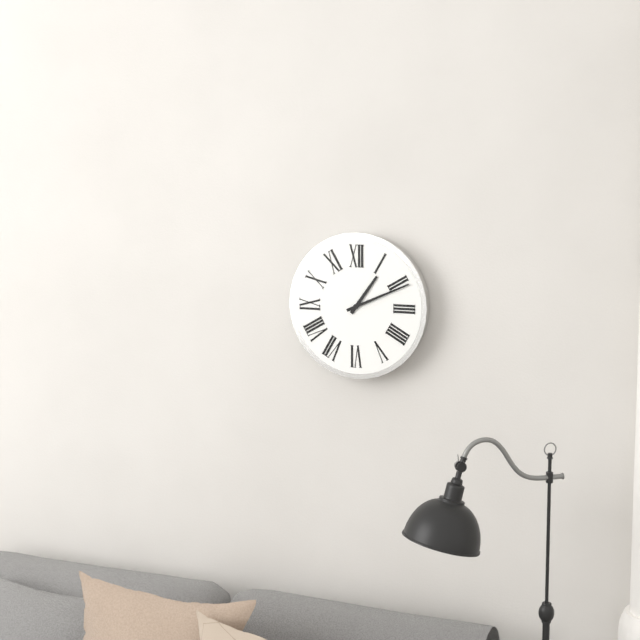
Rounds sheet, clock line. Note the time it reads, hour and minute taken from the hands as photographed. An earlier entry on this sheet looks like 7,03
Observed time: 1,11
